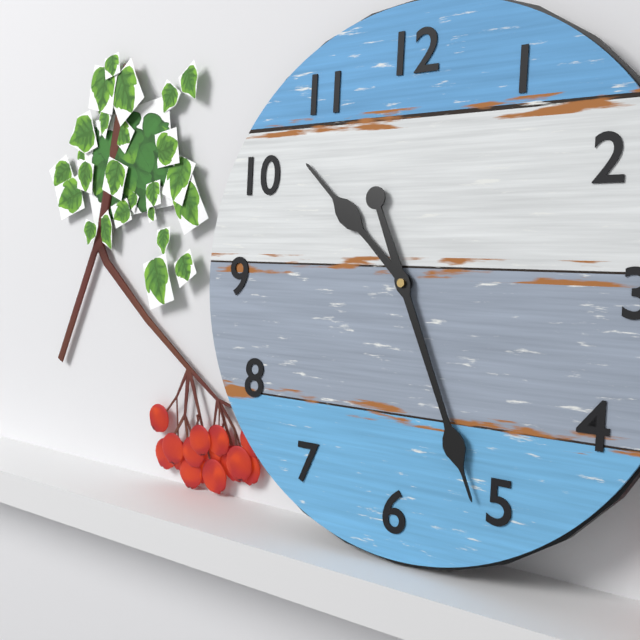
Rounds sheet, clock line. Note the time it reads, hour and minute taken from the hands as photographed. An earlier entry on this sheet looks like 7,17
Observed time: 10,26
